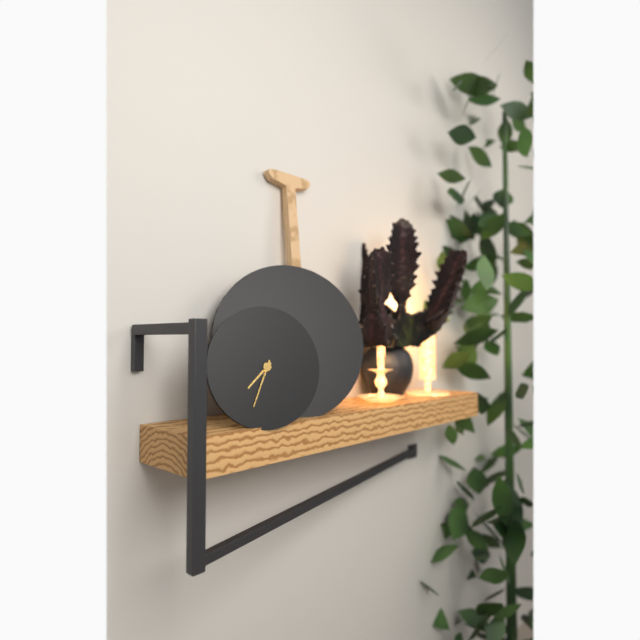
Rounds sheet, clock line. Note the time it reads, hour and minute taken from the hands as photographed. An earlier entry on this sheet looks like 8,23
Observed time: 7,34
